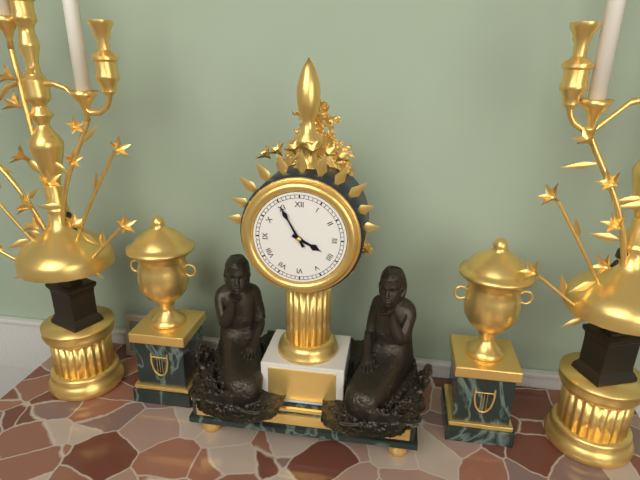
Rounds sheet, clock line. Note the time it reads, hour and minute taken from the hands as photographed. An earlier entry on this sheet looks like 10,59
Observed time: 3,55
